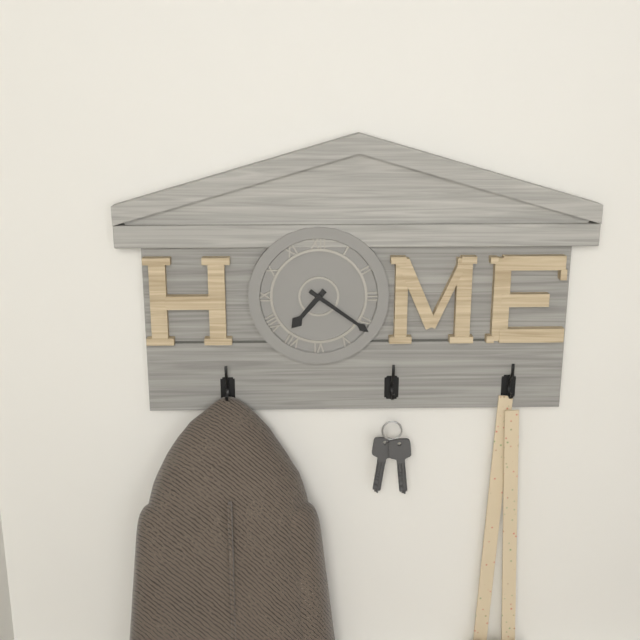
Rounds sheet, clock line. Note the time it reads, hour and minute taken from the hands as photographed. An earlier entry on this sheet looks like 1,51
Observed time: 7,21
